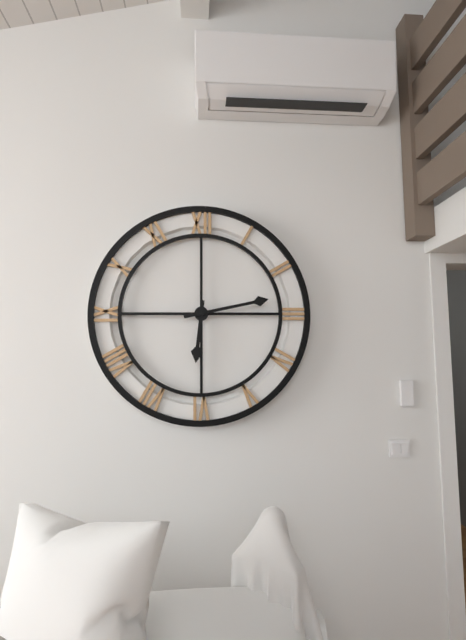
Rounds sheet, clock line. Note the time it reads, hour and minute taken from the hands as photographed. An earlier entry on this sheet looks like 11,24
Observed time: 6,13
